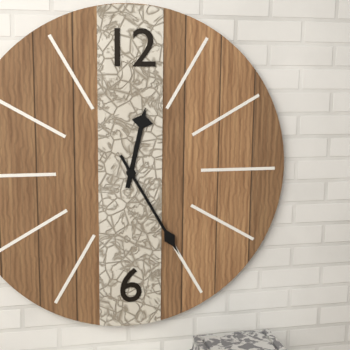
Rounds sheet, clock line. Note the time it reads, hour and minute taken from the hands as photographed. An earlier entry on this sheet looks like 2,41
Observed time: 12,25
